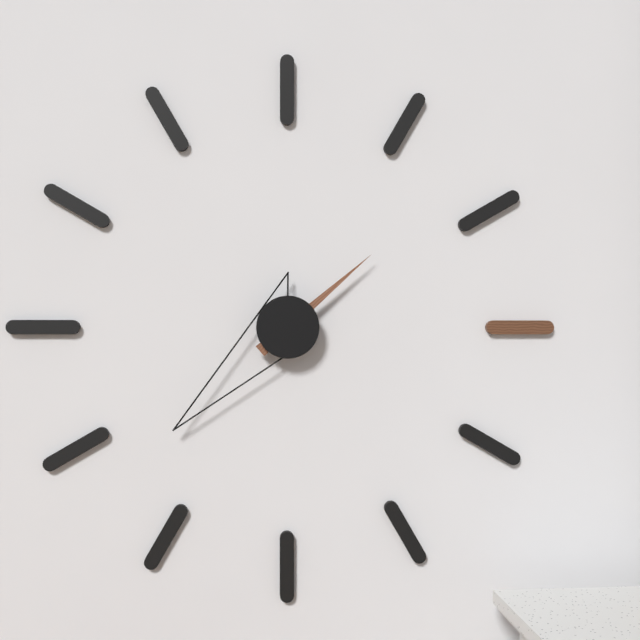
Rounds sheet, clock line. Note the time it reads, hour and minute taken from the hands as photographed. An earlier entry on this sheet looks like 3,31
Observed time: 1,38
